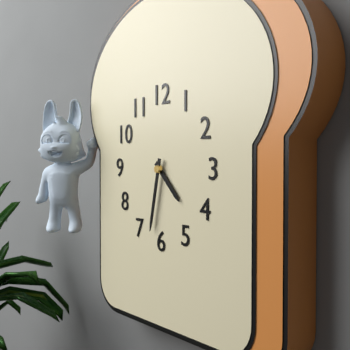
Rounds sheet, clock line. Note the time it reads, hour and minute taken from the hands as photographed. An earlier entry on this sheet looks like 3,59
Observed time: 4,32
